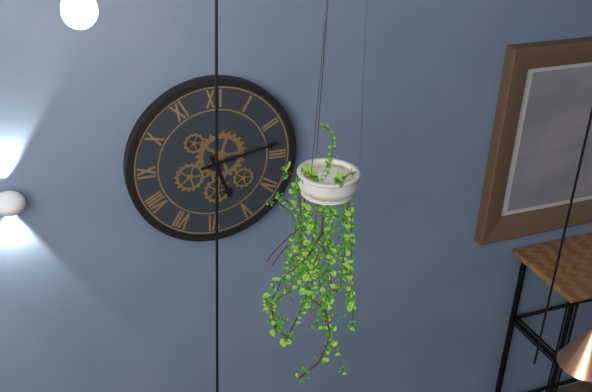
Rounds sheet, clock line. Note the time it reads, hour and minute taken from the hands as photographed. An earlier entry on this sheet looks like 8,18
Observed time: 5,13
